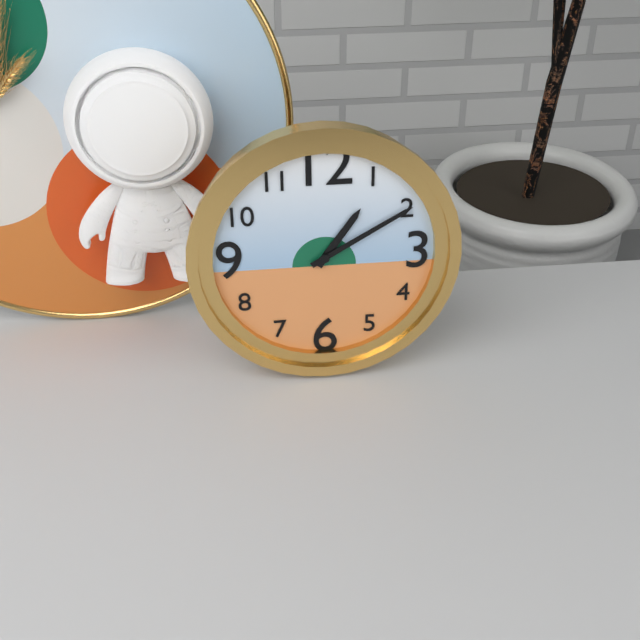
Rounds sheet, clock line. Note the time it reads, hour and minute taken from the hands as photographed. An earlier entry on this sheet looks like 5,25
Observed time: 1,10
